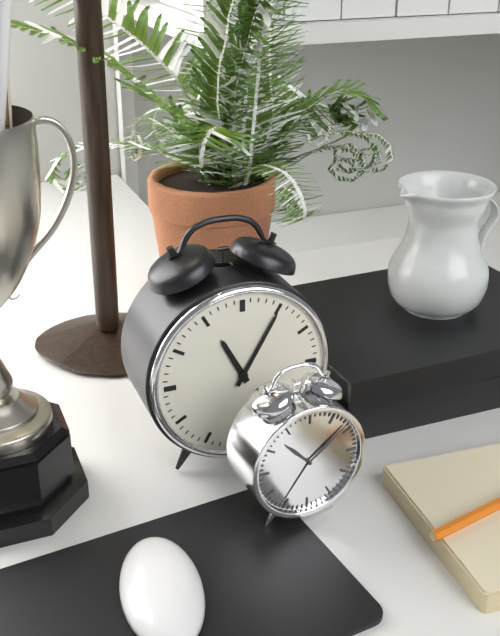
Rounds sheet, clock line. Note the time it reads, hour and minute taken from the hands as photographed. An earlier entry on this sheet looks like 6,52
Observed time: 11,05
